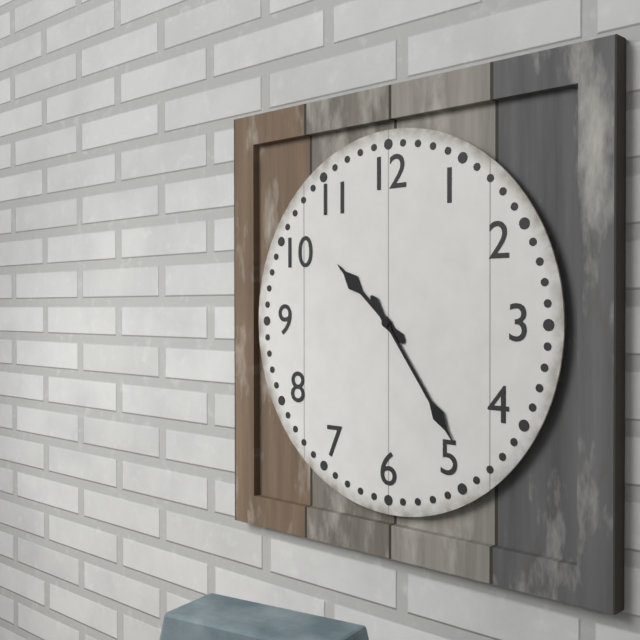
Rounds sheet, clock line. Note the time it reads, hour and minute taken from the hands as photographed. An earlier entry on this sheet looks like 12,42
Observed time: 10,24
